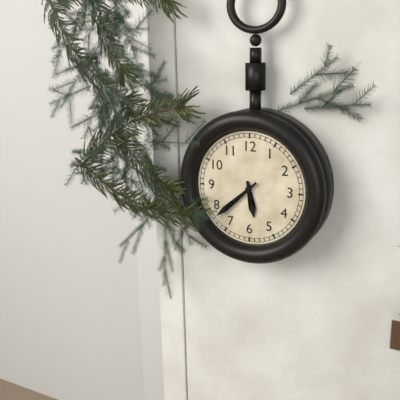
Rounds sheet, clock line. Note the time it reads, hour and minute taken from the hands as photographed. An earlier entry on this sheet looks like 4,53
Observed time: 5,38
